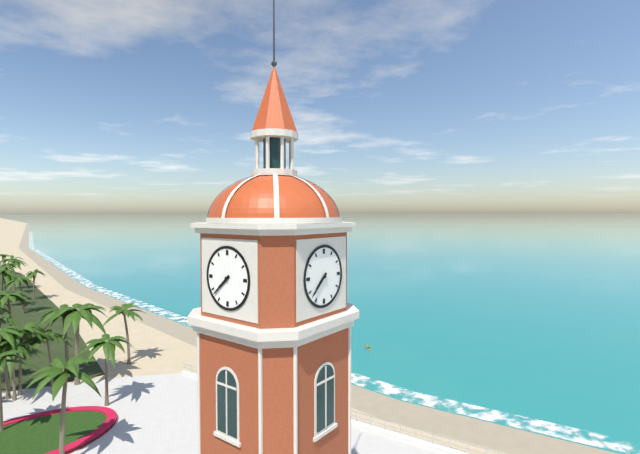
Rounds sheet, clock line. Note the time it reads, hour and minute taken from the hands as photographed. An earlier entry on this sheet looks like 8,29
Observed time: 7,38
